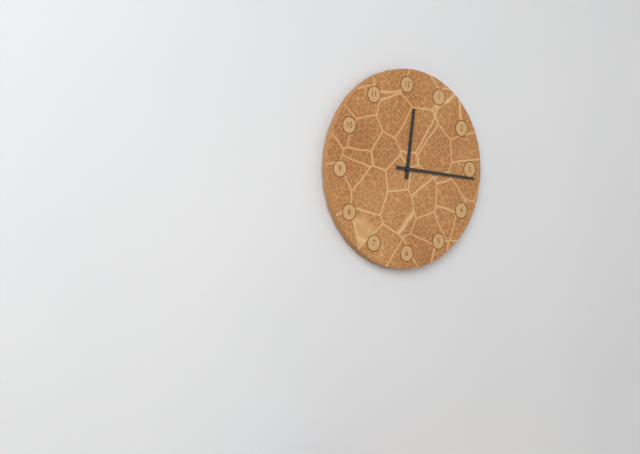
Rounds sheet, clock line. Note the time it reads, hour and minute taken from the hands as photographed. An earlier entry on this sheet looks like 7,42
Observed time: 12,16
